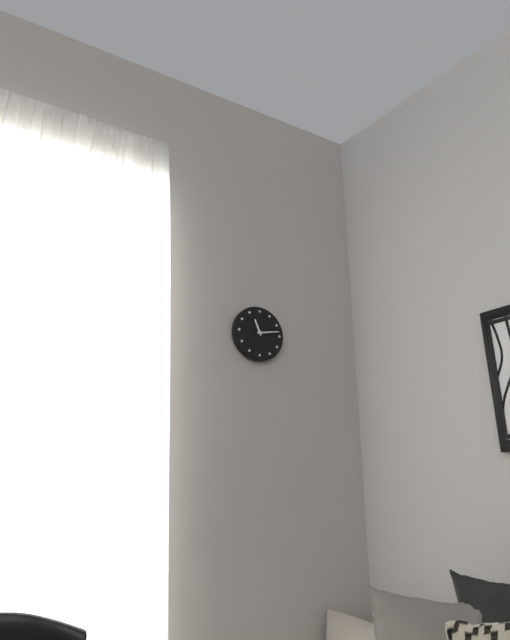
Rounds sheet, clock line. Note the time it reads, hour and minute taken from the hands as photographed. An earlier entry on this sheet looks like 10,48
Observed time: 11,13
